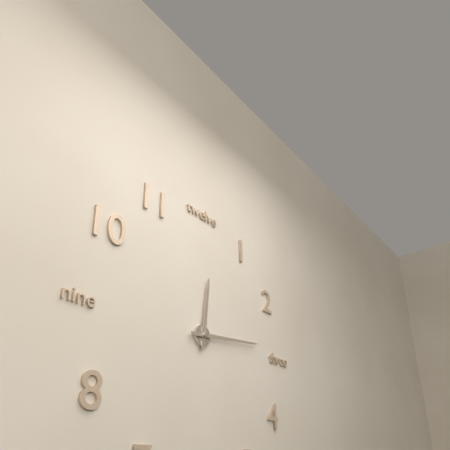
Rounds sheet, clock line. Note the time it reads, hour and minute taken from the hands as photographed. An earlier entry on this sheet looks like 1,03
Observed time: 12,14
